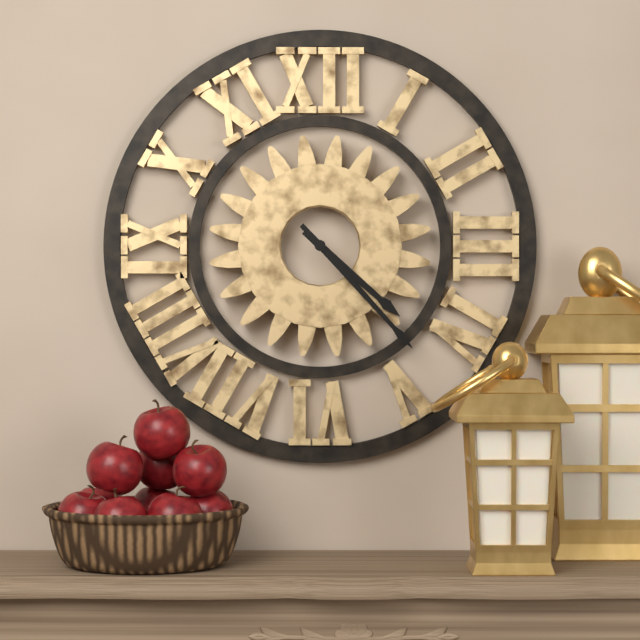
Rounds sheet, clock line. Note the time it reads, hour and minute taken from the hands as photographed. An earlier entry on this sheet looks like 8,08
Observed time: 4,23
